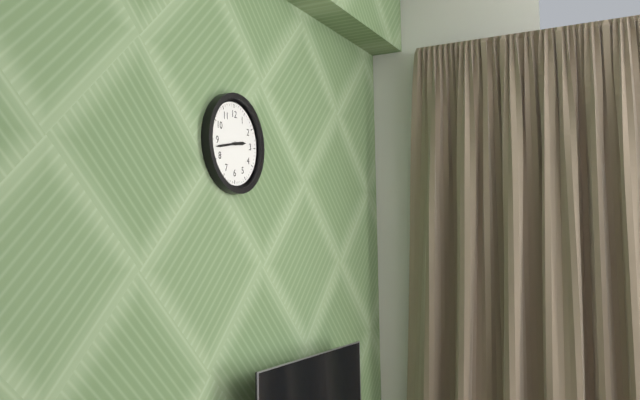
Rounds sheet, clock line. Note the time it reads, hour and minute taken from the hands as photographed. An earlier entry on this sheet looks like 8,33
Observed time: 2,43
